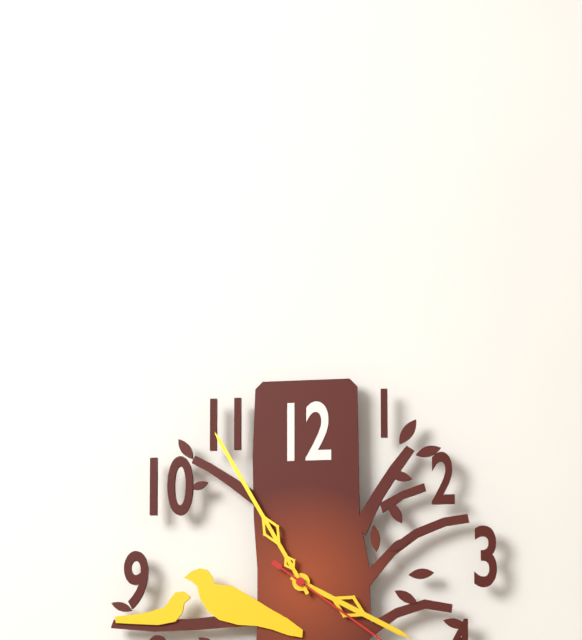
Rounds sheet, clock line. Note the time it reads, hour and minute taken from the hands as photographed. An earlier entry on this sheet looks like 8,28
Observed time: 3,55
